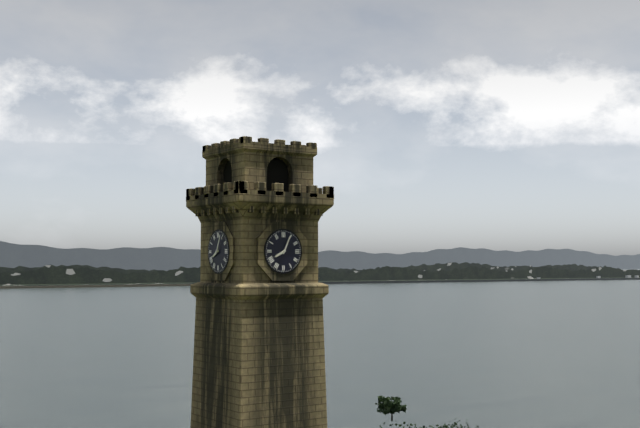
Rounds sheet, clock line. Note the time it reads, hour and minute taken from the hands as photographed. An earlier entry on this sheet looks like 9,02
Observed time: 8,04
